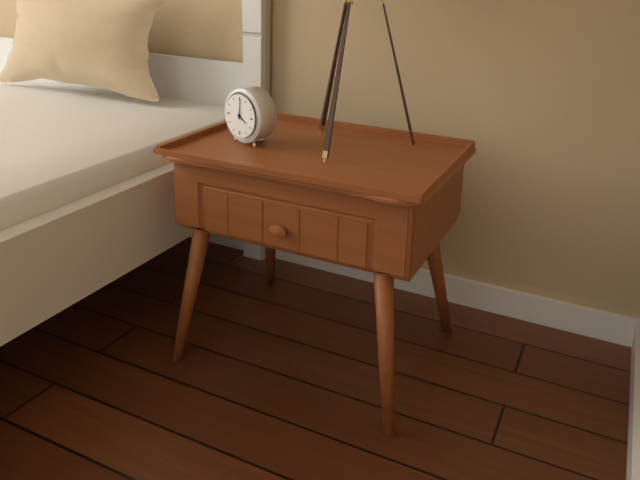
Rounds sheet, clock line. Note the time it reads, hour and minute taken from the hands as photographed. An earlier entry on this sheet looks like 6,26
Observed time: 4,01
